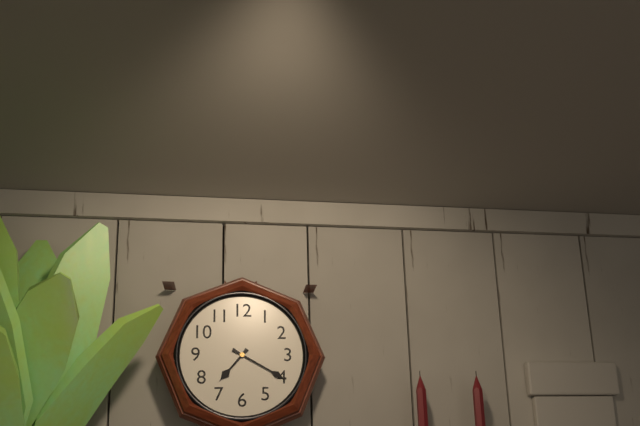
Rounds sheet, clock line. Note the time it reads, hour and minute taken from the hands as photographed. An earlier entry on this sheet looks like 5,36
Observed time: 7,20
